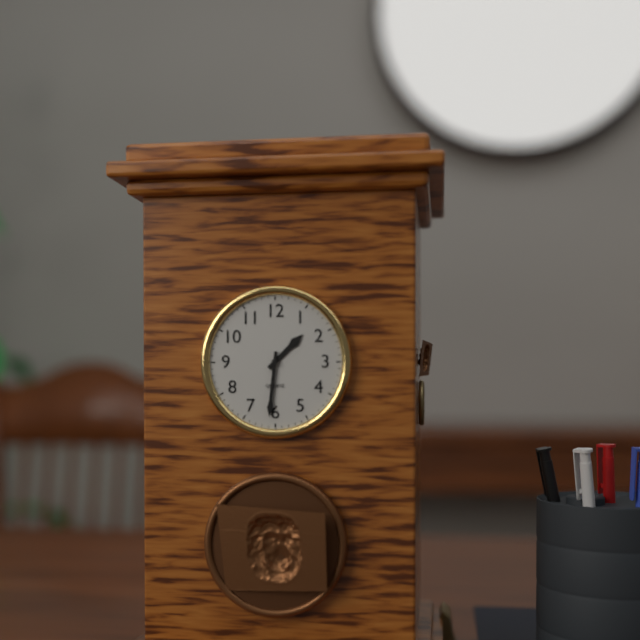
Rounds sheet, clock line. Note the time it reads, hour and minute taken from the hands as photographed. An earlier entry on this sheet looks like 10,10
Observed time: 1,31
